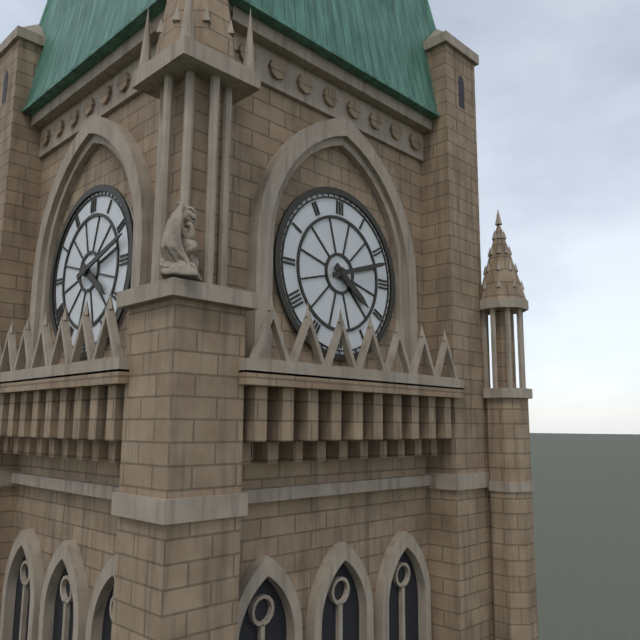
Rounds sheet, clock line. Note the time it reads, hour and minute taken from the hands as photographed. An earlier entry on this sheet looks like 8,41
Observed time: 4,12
